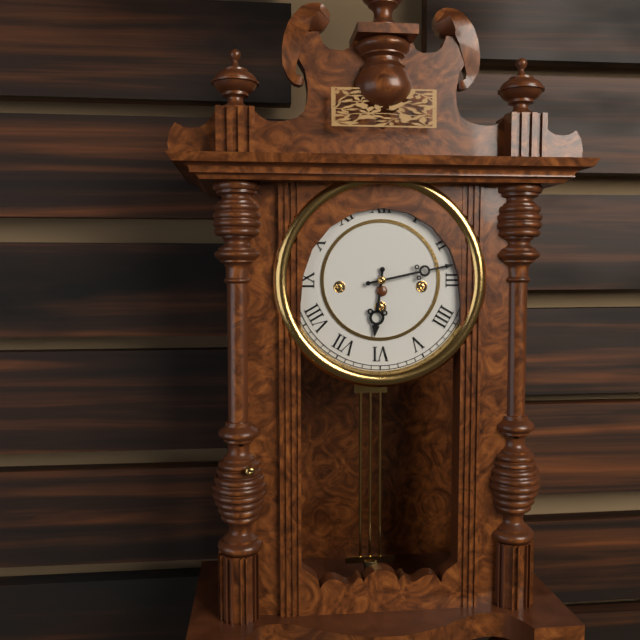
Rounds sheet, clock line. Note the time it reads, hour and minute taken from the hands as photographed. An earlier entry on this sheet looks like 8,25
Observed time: 6,13
